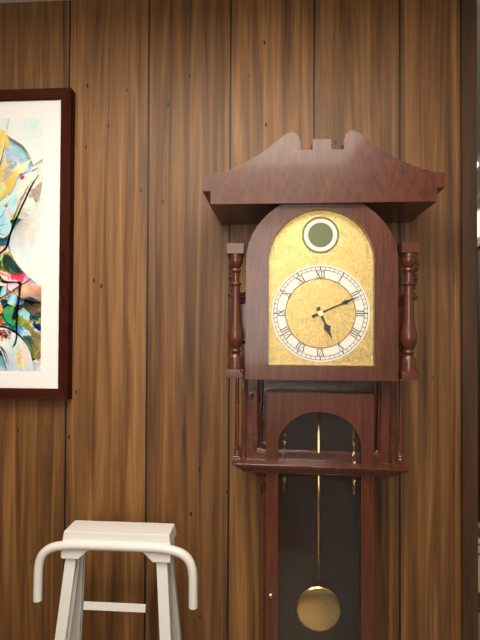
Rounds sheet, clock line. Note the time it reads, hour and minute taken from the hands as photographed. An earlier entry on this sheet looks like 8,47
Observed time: 5,11
